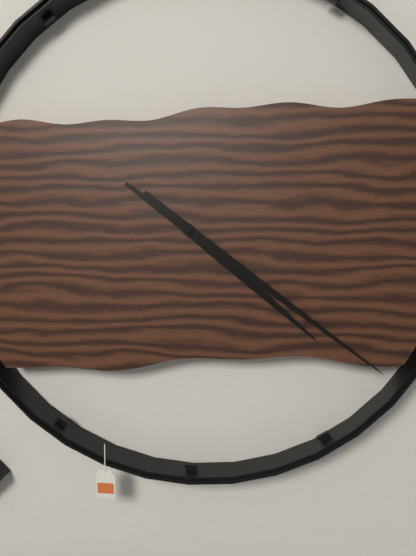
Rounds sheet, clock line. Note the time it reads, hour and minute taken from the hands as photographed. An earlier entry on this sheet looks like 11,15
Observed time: 4,21
